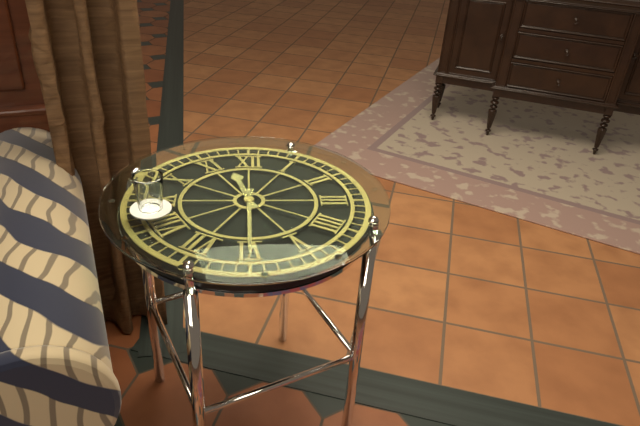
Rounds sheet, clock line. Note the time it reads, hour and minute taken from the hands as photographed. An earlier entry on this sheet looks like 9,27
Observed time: 11,30
